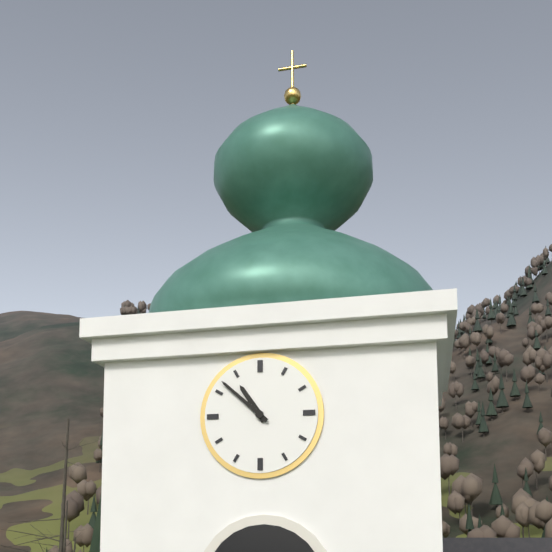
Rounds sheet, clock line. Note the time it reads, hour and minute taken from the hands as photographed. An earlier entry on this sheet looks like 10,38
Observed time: 10,52
